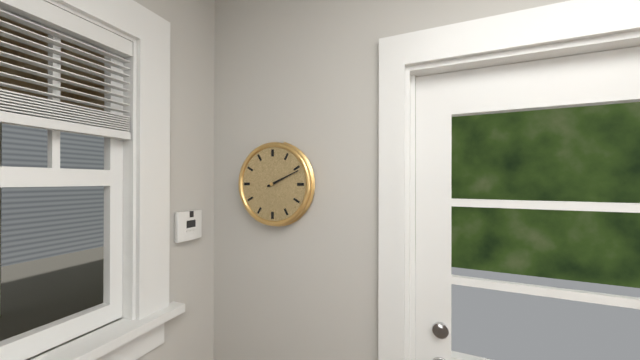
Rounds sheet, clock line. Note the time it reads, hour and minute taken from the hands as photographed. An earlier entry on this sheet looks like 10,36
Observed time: 2,11
